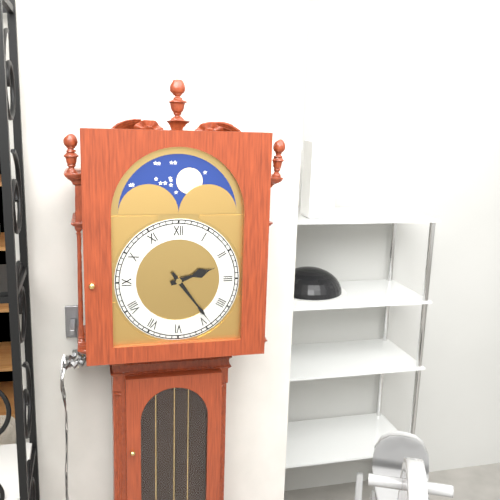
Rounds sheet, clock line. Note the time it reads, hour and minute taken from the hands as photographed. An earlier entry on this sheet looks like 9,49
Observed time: 2,24
